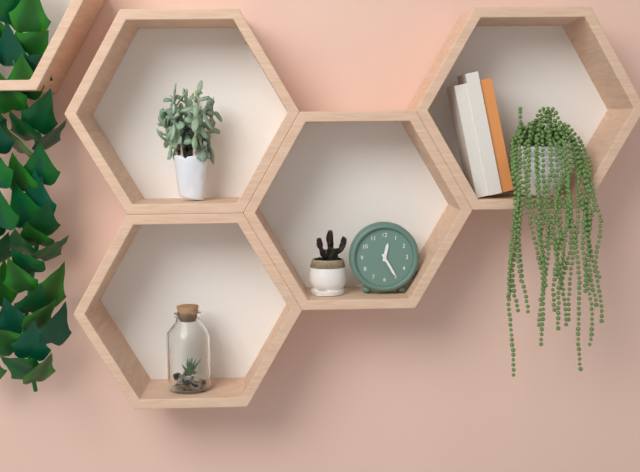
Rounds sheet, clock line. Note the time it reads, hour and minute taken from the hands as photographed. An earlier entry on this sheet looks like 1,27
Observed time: 12,25
